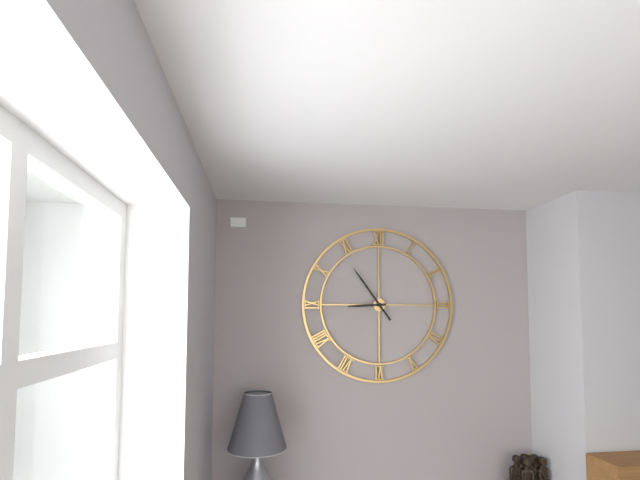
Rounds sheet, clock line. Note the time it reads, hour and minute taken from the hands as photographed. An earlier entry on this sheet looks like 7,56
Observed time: 8,54
